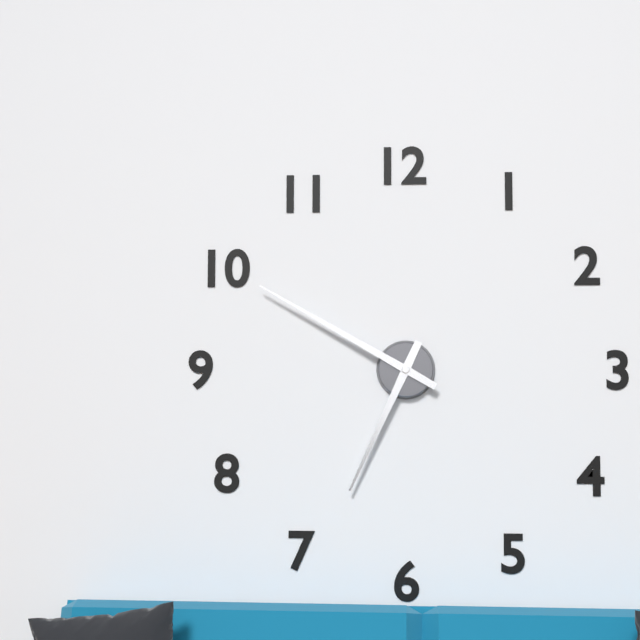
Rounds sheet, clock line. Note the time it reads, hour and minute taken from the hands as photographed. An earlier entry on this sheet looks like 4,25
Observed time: 6,50
